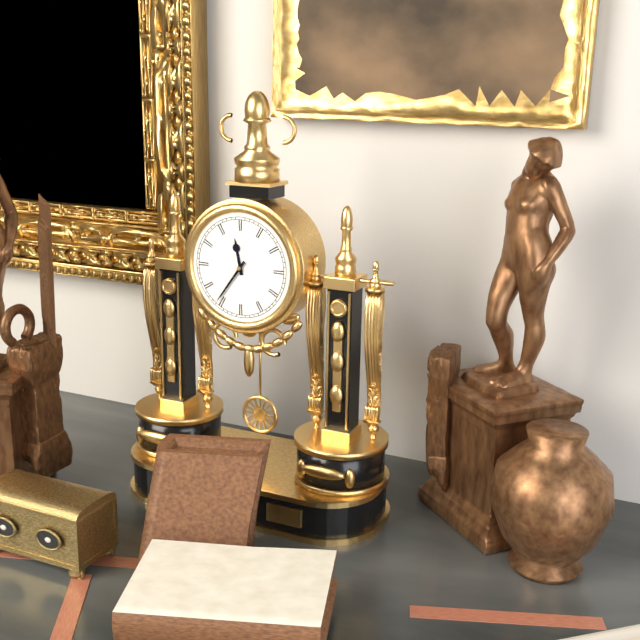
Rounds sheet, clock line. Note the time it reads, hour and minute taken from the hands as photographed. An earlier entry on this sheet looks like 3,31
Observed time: 11,36
